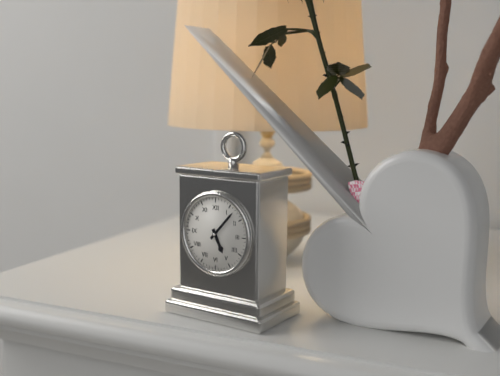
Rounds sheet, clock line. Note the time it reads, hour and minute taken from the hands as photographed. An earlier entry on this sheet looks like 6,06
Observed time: 5,07
